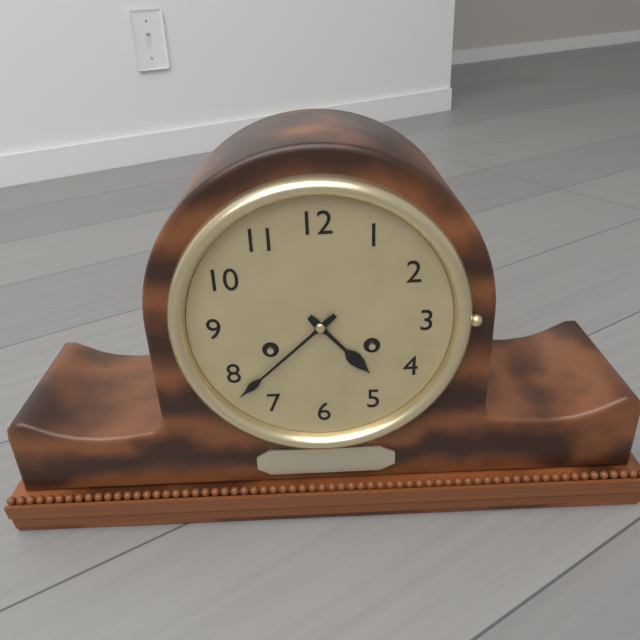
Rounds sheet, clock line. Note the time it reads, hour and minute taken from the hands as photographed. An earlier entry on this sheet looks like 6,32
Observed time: 4,38
